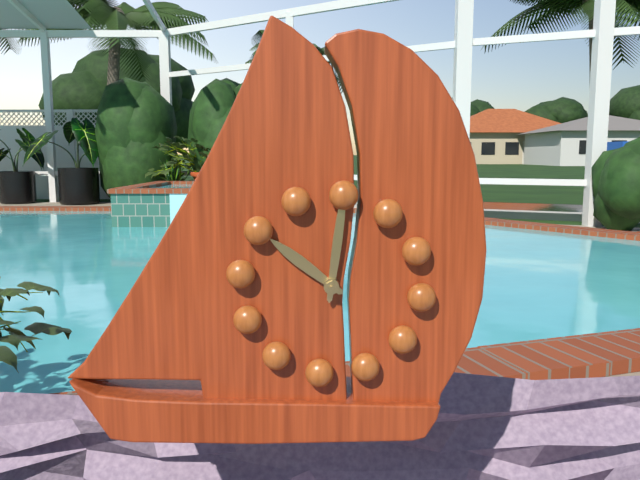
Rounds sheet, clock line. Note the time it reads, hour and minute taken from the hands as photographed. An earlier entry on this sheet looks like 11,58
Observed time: 10,00
